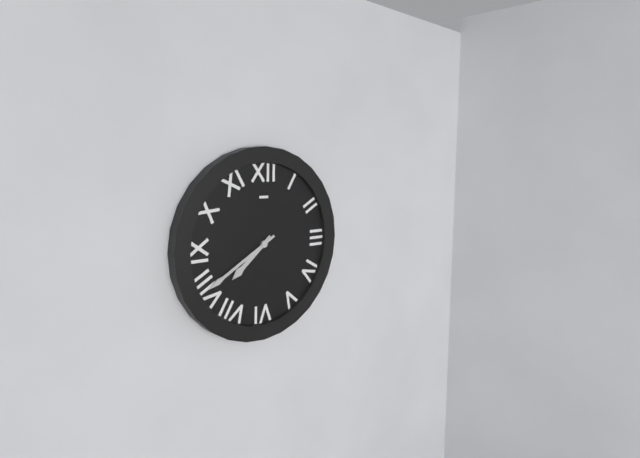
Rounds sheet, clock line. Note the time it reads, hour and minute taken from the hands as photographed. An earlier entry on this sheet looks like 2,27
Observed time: 7,40
